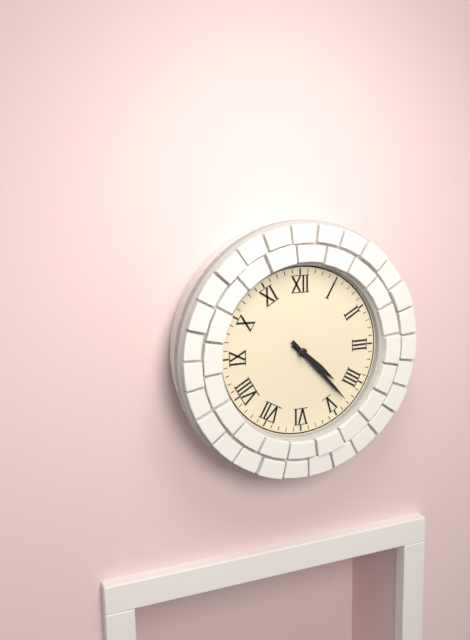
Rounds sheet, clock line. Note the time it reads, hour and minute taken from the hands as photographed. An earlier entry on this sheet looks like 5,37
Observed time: 4,23
